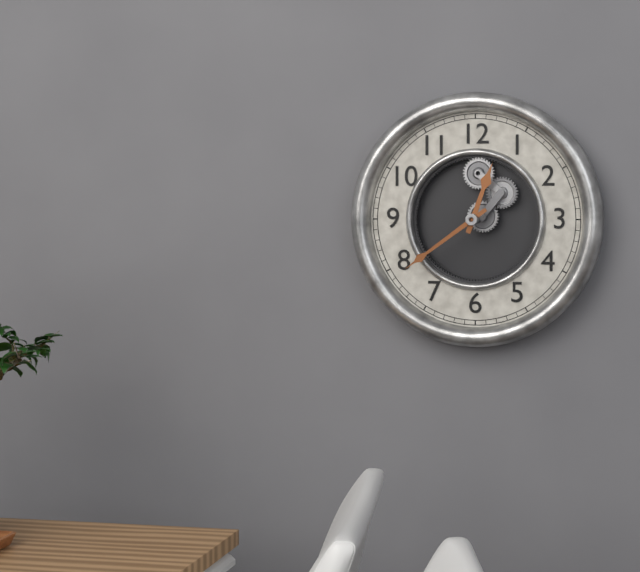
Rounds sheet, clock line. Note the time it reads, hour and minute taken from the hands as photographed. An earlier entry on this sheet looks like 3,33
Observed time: 12,39
